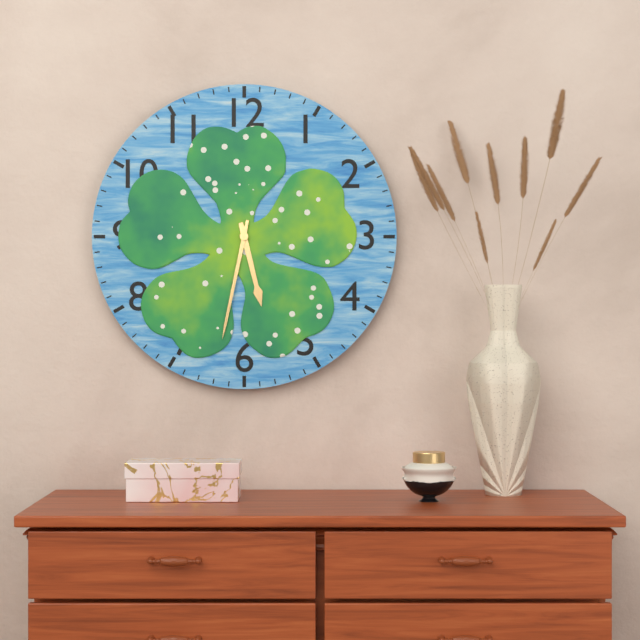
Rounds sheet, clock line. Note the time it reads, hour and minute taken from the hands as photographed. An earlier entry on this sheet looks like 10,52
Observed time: 5,32
